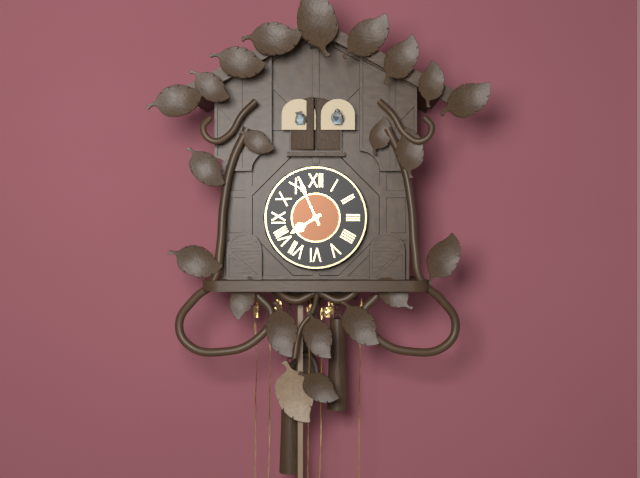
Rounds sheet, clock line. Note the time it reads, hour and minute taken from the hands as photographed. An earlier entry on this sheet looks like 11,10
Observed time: 7,56
